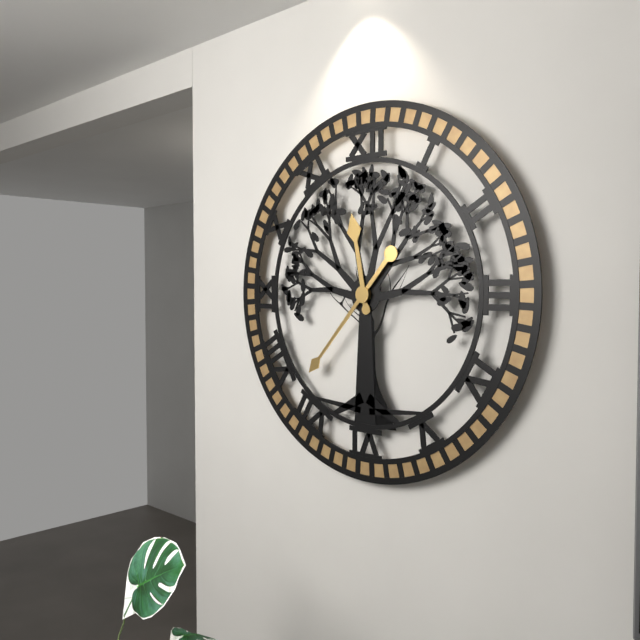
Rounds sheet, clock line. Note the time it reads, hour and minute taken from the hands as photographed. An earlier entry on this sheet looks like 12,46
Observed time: 11,37
